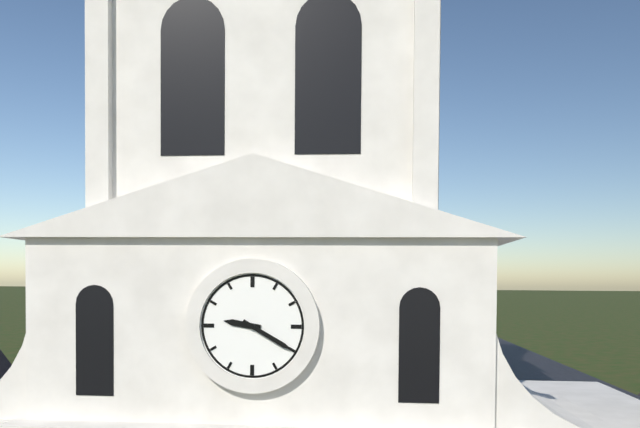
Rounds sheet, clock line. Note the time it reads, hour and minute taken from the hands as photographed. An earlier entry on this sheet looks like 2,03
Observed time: 9,20
